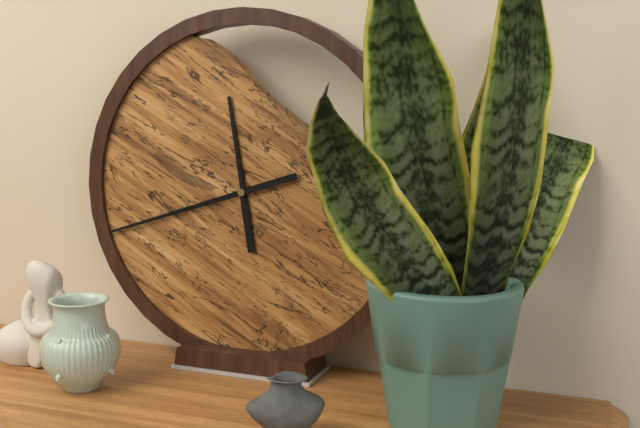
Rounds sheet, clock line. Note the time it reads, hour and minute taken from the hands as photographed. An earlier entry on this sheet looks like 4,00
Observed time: 11,42
